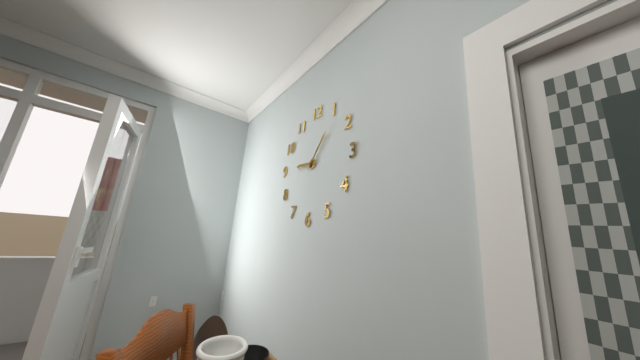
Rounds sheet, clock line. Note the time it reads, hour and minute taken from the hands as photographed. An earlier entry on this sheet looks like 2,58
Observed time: 9,06
